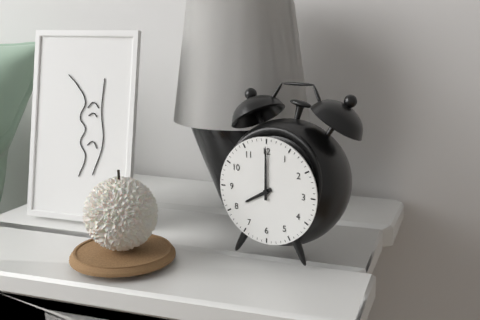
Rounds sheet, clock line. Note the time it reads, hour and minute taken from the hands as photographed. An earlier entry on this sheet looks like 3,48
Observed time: 8,00
